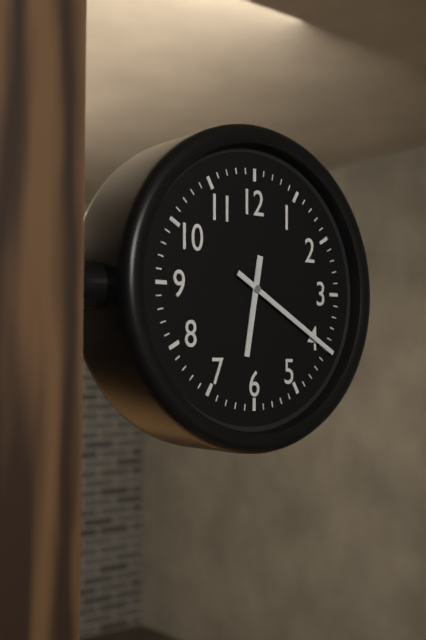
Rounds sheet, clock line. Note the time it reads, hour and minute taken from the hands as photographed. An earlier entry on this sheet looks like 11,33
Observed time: 6,20
